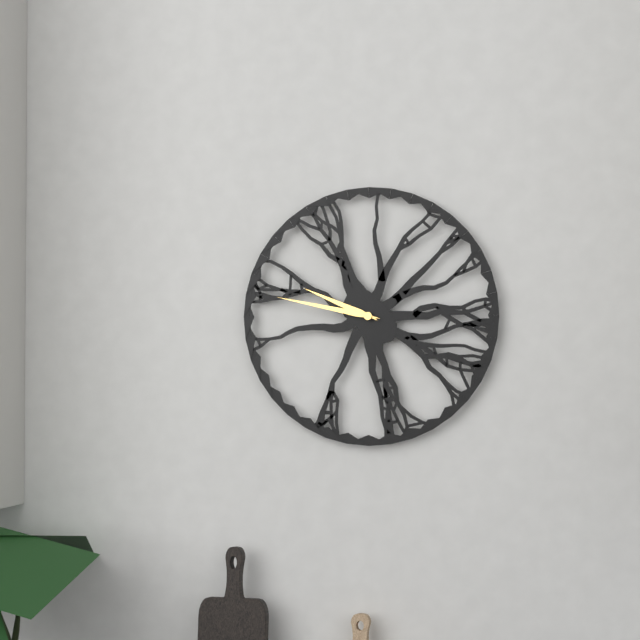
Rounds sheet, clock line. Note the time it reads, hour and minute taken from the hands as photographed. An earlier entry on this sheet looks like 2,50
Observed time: 9,47
